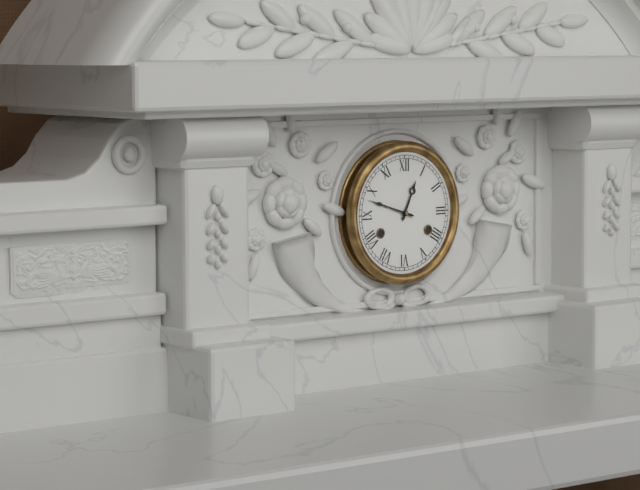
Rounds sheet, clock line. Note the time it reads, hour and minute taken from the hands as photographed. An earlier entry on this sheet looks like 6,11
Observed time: 12,48
